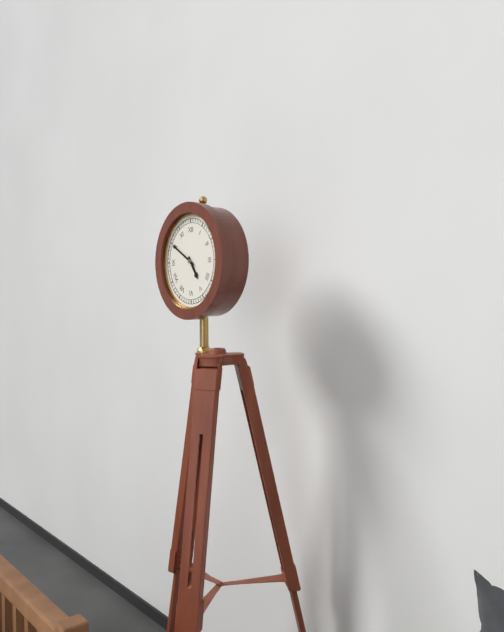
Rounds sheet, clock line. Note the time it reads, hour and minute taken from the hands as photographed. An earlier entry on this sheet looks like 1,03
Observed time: 4,50
